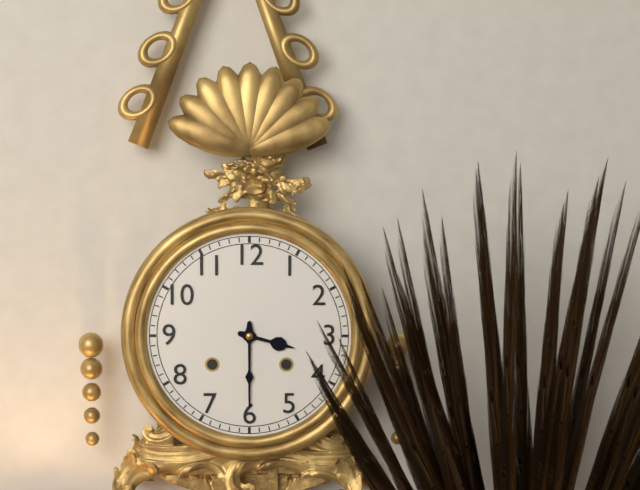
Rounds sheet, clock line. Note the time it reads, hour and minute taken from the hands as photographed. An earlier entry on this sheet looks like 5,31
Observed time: 3,30
